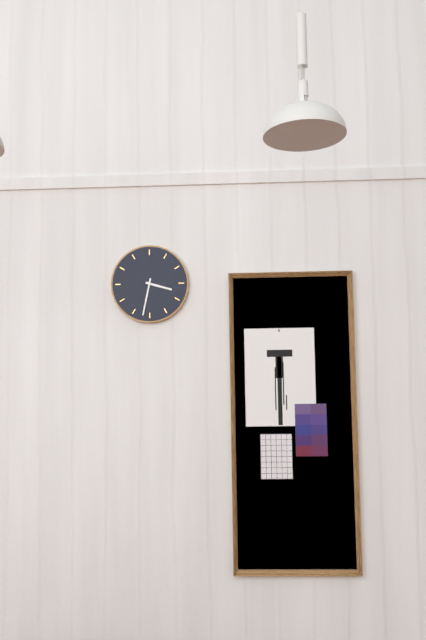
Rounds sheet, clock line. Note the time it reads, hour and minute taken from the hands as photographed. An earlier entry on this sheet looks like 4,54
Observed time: 3,32
